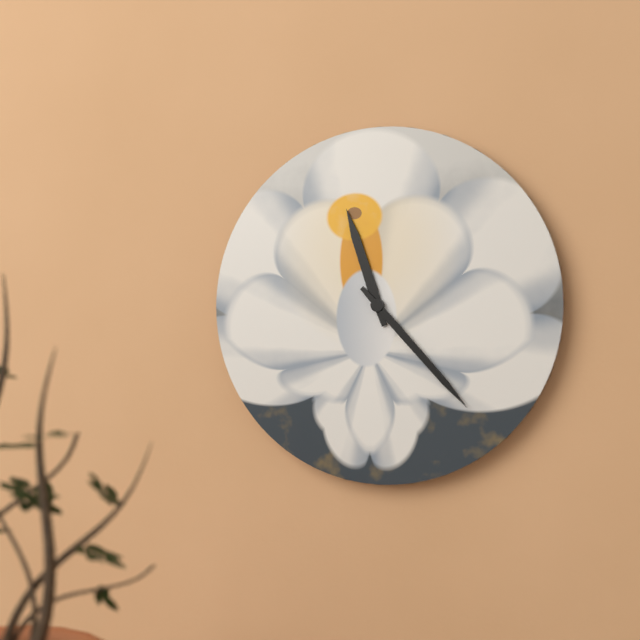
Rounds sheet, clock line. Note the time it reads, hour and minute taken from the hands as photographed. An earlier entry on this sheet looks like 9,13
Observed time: 11,23
